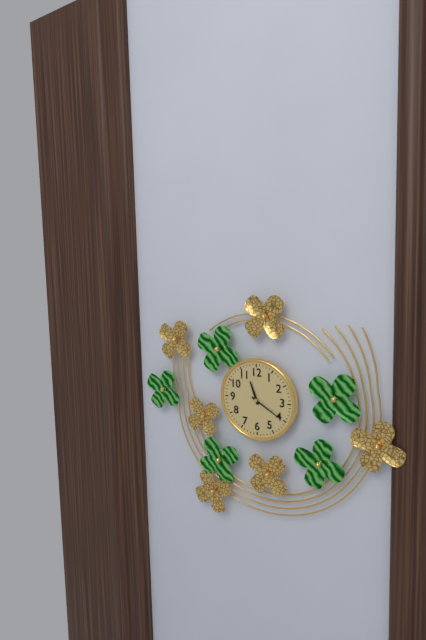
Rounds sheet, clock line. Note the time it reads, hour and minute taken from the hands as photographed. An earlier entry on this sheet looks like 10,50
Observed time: 11,20
